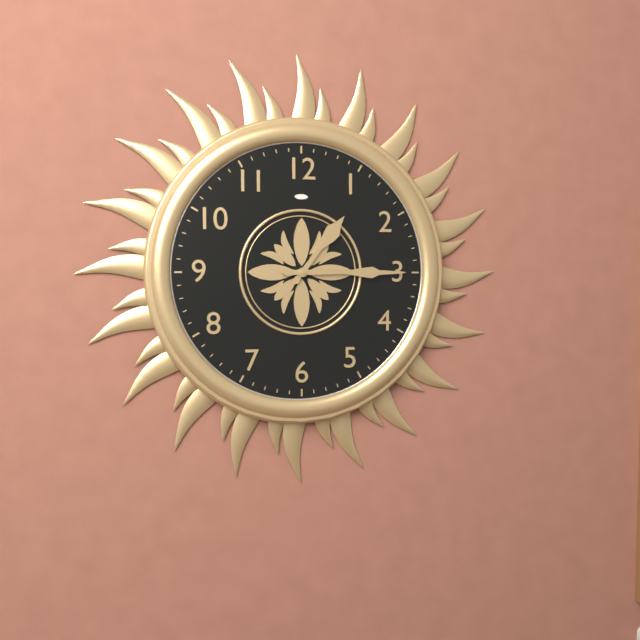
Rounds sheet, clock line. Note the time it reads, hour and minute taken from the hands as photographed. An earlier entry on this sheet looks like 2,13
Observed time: 1,15
